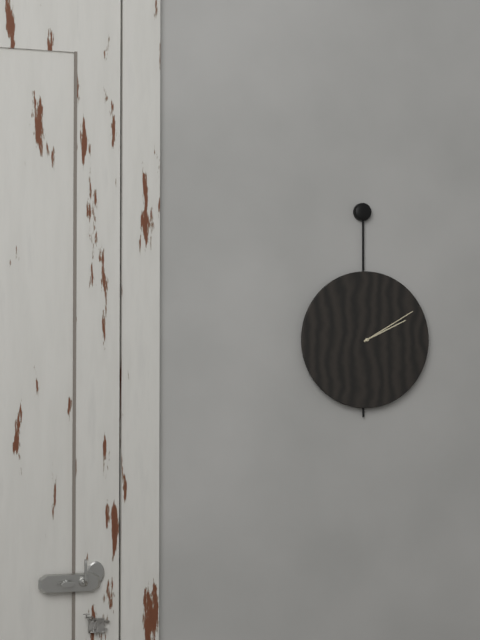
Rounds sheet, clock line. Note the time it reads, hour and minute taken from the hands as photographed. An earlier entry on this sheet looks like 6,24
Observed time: 2,10
